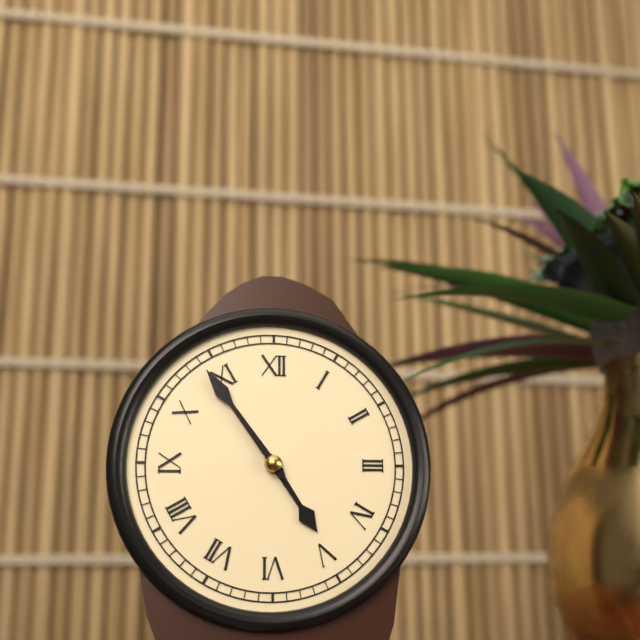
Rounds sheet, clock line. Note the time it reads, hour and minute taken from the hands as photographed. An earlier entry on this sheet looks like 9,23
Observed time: 4,54
